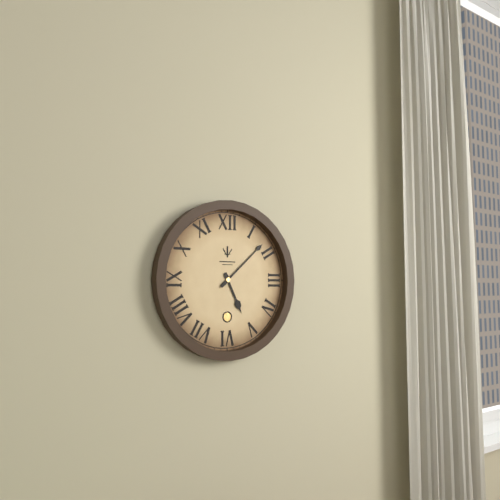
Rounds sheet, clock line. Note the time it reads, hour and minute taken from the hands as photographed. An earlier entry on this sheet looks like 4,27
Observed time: 5,08
